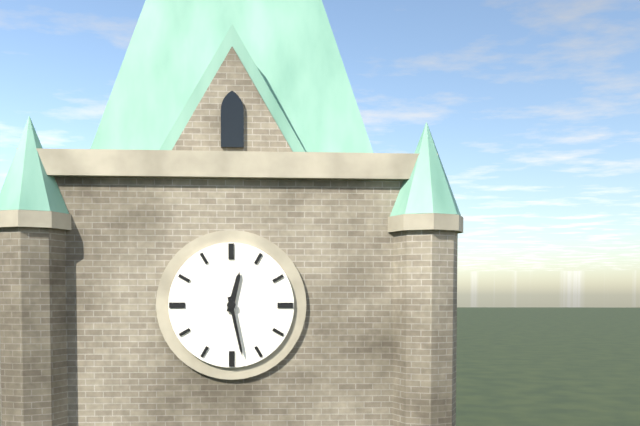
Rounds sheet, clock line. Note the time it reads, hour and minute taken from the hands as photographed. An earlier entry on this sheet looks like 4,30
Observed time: 12,28
